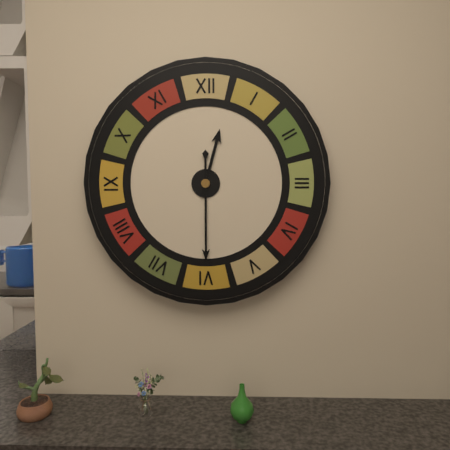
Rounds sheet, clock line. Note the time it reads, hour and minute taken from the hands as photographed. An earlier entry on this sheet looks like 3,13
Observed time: 12,30
